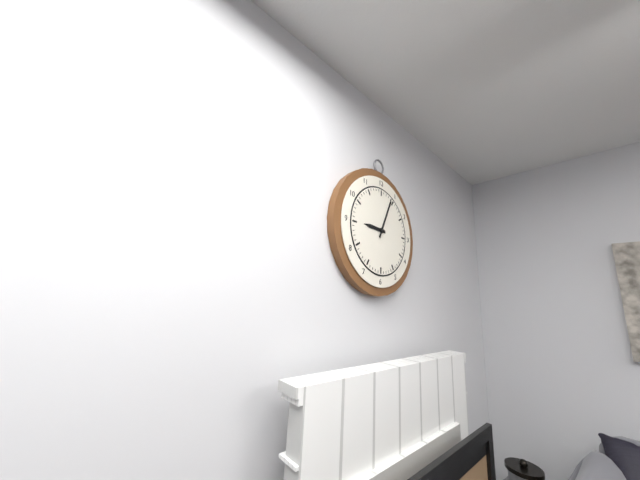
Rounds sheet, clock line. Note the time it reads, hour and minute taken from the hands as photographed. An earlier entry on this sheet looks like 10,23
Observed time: 9,04
